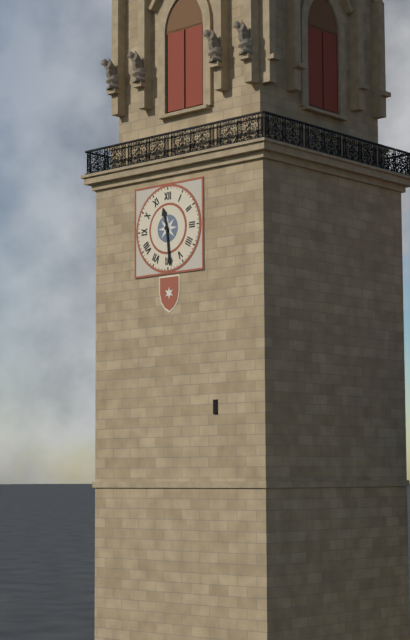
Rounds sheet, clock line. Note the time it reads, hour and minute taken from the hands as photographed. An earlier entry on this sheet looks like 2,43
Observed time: 11,29
